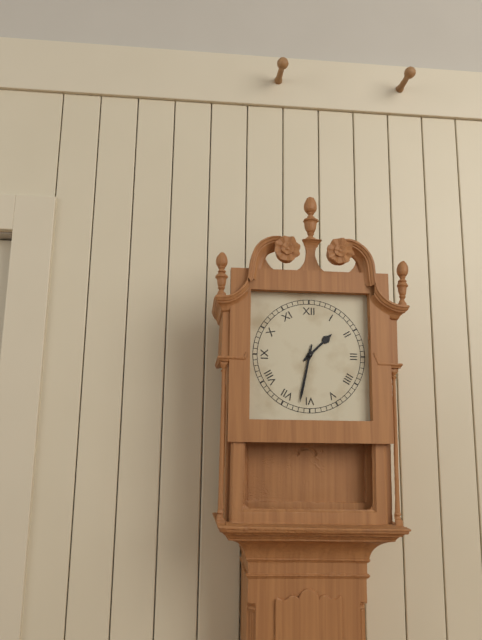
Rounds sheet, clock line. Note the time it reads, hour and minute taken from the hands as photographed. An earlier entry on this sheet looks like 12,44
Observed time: 1,32
